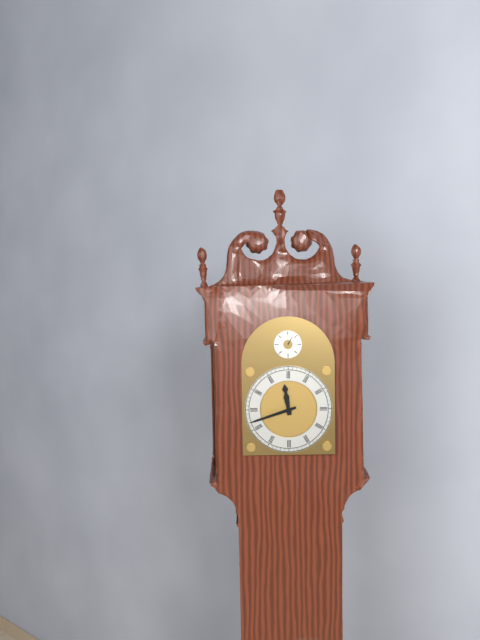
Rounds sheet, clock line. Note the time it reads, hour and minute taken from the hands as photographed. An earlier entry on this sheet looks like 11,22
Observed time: 11,42
